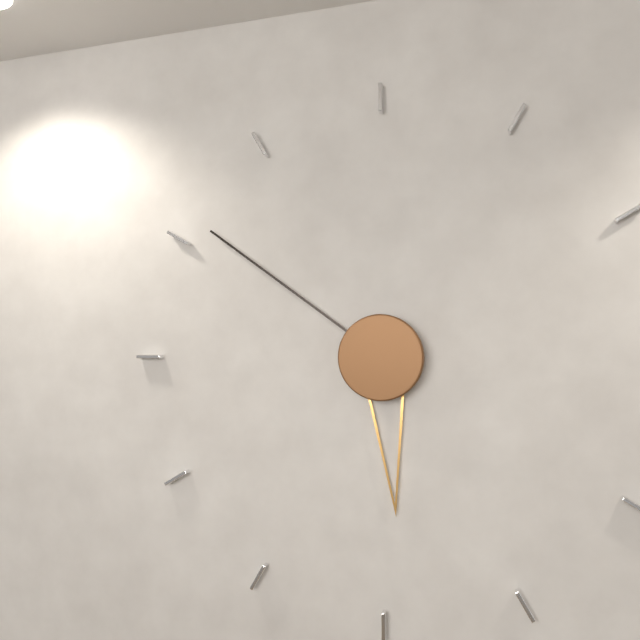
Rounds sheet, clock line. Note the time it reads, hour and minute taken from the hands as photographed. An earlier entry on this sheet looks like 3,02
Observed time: 5,51
